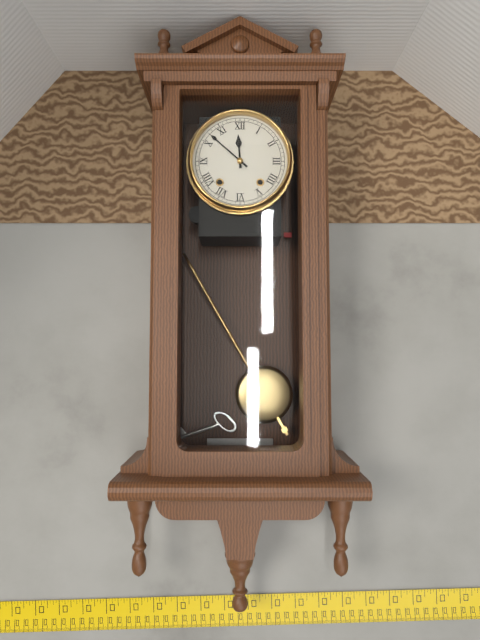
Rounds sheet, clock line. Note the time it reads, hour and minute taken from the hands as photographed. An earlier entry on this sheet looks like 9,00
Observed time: 11,52
